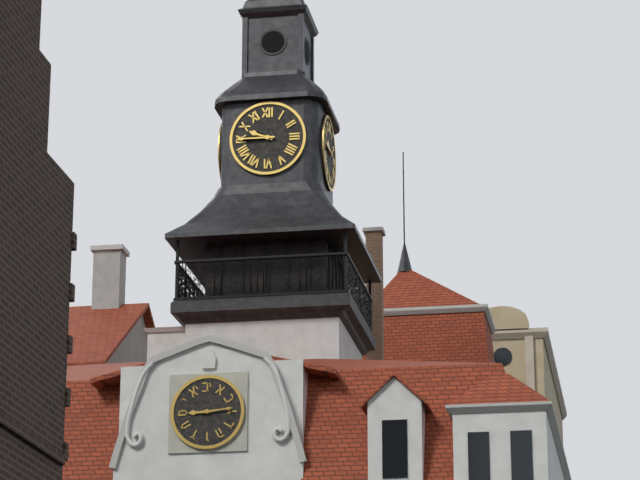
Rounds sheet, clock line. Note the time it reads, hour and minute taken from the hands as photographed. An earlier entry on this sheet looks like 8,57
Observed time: 9,45
